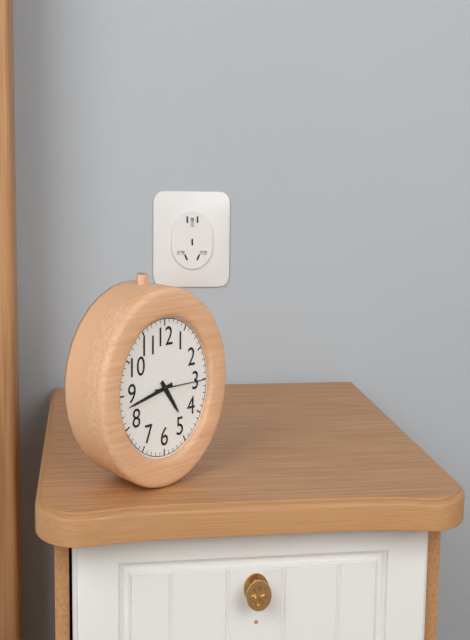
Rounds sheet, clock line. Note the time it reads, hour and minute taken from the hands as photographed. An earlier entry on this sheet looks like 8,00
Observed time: 4,43
